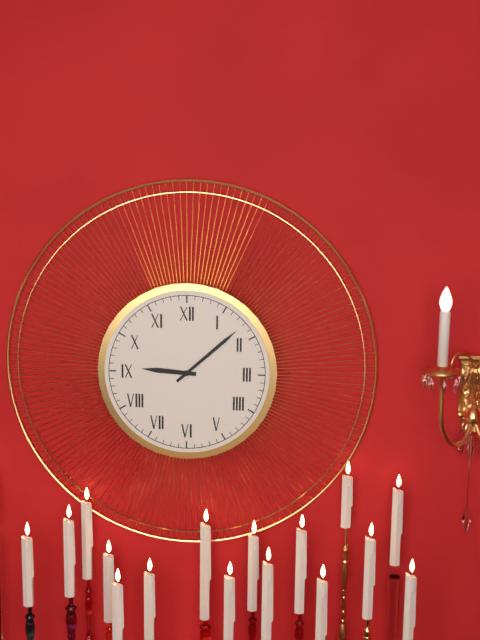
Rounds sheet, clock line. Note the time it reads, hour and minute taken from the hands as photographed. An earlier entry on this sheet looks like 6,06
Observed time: 9,08
